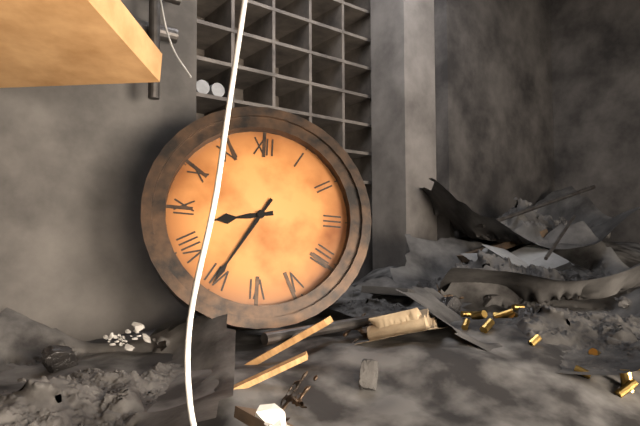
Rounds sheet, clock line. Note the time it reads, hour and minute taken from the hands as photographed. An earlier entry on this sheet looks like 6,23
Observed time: 8,35
